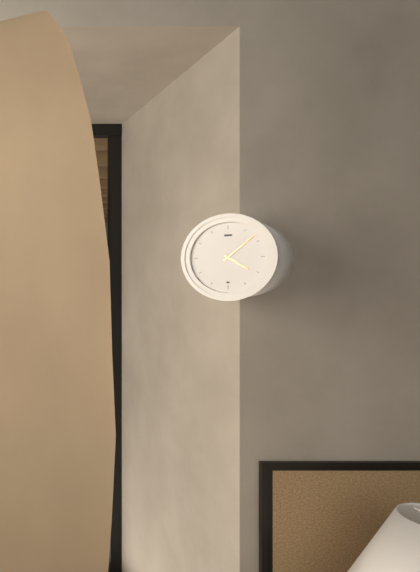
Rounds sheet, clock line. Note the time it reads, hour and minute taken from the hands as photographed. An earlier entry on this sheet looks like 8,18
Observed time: 4,08
